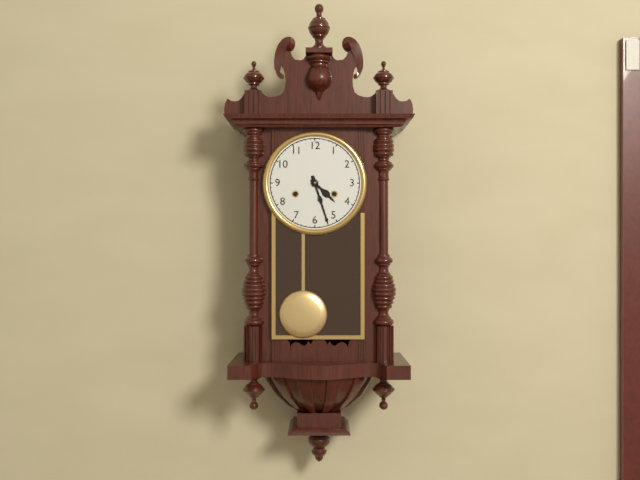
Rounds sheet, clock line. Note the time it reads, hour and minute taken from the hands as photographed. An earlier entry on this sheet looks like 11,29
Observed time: 4,27
